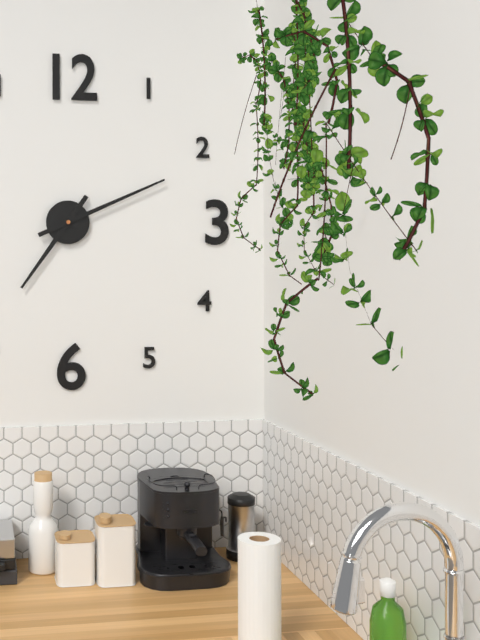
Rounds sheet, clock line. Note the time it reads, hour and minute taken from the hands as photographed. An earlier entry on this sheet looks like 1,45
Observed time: 7,11
